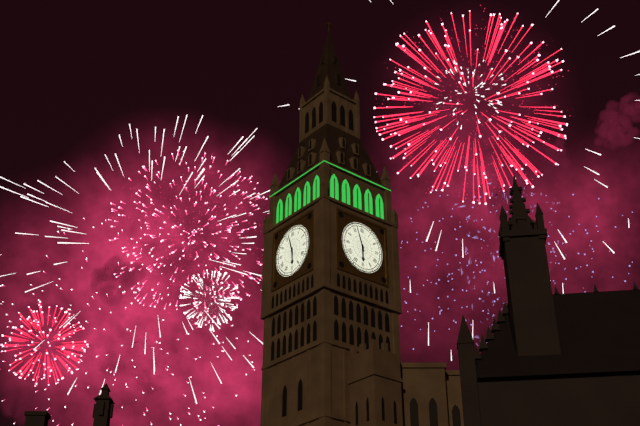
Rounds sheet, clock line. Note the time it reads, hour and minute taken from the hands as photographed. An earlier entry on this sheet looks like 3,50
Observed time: 5,57
